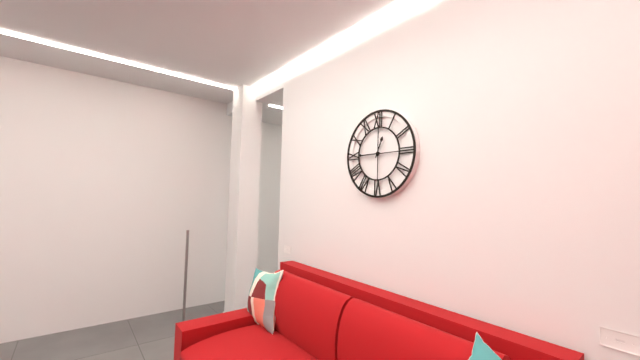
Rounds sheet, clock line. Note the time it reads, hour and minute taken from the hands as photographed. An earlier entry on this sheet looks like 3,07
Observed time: 12,45
